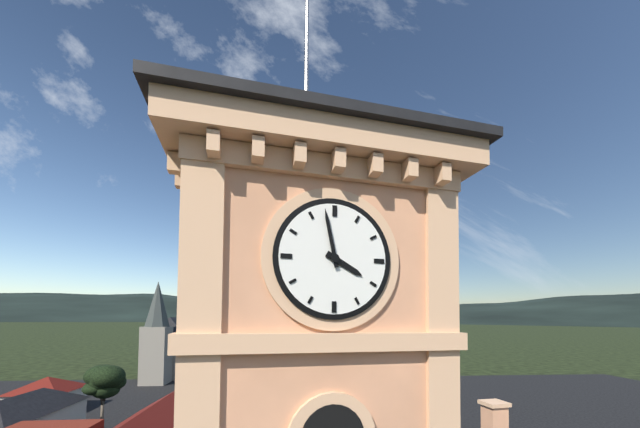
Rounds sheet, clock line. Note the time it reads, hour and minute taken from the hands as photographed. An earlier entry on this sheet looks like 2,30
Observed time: 3,58
